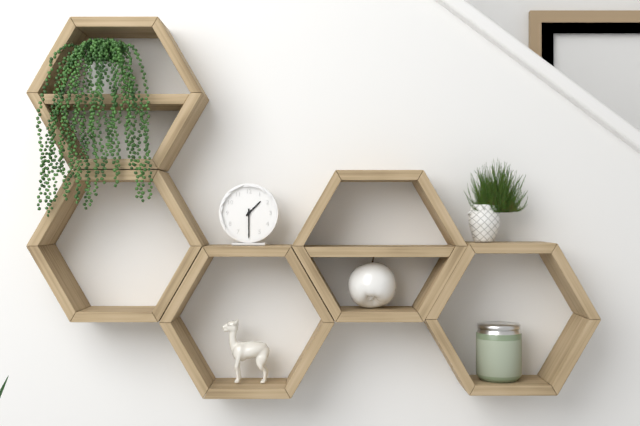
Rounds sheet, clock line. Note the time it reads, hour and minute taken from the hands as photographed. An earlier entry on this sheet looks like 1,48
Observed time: 1,30
